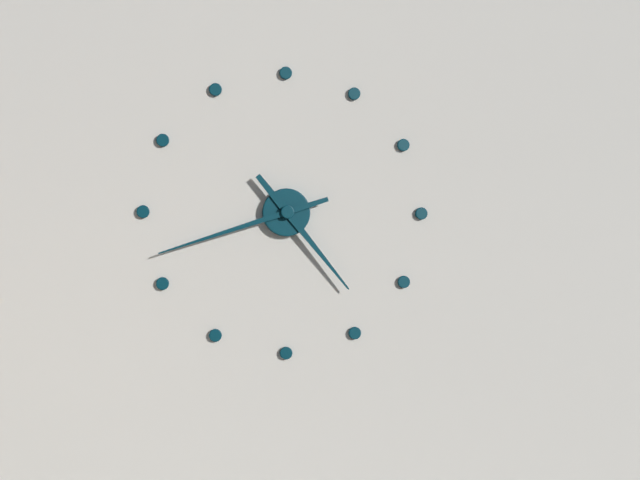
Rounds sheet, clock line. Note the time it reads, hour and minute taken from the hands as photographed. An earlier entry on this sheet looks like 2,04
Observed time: 4,42
